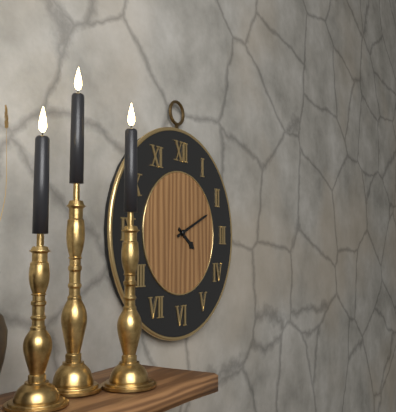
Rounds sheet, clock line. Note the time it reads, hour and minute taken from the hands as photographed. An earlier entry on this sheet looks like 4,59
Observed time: 4,11
